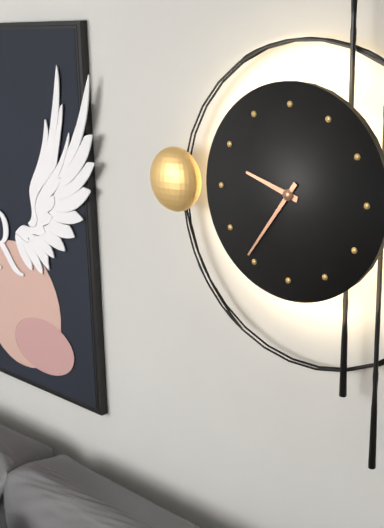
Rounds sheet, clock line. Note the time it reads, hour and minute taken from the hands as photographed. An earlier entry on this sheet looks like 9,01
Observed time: 9,36
